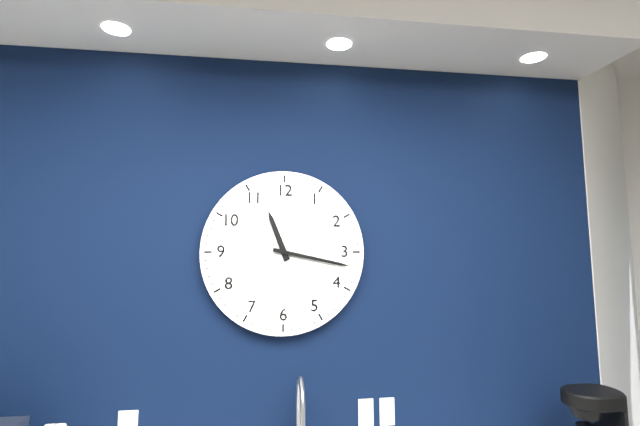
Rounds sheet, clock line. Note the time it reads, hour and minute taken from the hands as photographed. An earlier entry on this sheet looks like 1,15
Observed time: 11,17
